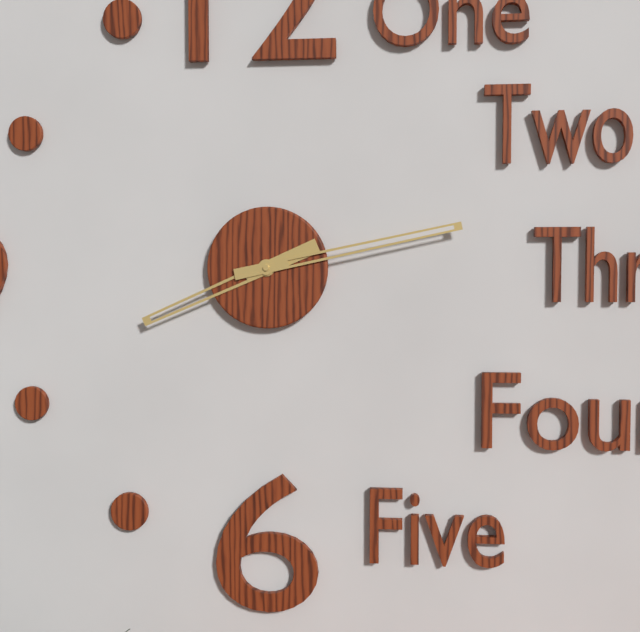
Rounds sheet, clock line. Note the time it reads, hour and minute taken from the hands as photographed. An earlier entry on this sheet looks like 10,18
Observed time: 8,13
